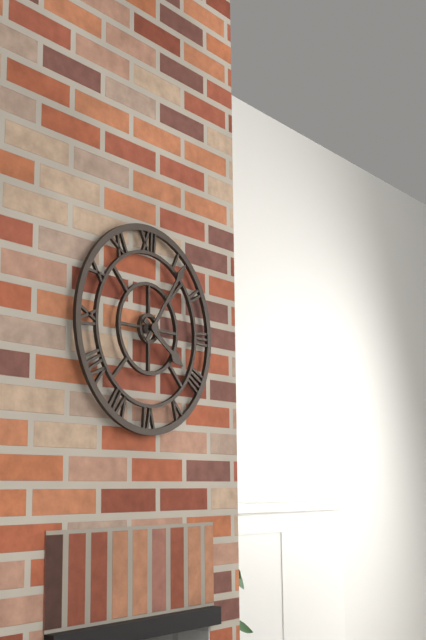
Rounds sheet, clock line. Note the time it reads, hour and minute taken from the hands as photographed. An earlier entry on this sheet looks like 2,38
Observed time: 4,06
